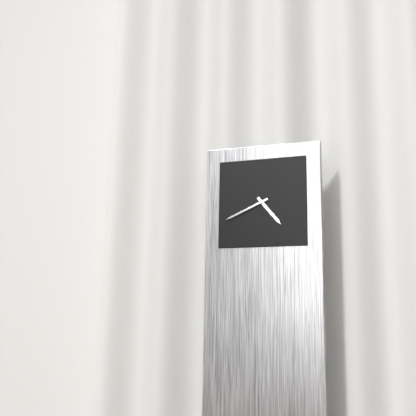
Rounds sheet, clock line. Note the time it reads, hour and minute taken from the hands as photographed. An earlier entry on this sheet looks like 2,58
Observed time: 4,41
